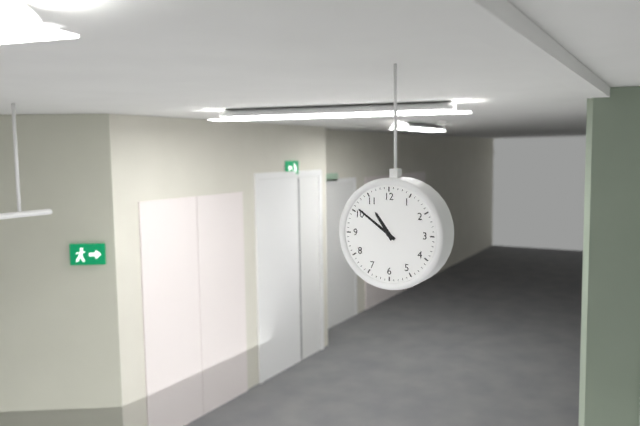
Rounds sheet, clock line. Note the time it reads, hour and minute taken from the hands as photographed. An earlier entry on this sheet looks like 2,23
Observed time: 10,51
